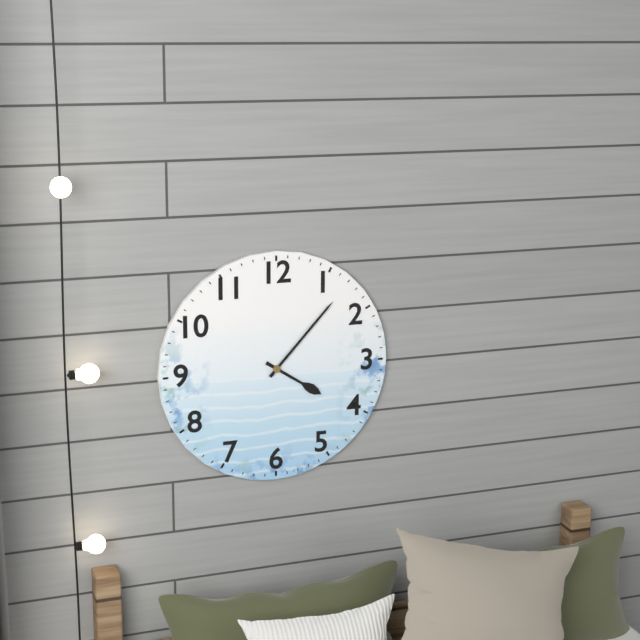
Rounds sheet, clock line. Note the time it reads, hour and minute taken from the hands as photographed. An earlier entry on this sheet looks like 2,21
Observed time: 4,07
